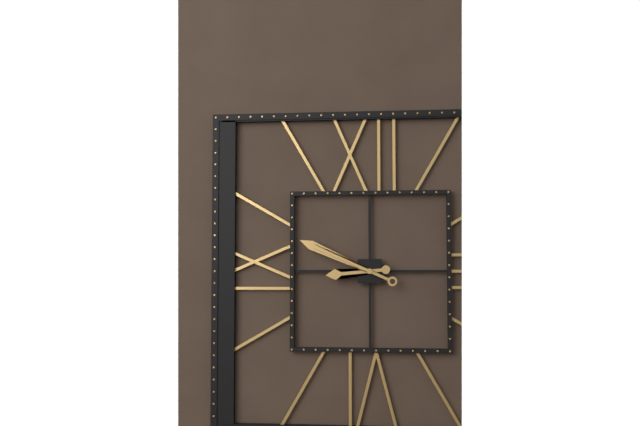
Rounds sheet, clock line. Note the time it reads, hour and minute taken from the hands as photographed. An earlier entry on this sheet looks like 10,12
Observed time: 8,49
